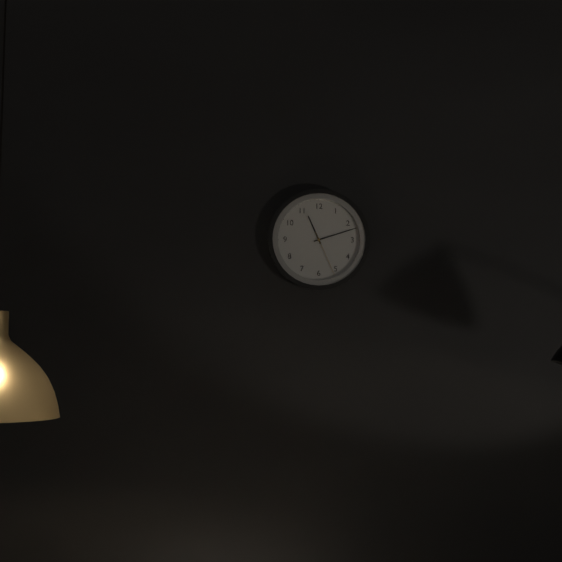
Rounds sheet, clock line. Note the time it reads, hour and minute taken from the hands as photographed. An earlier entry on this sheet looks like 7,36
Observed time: 11,12
